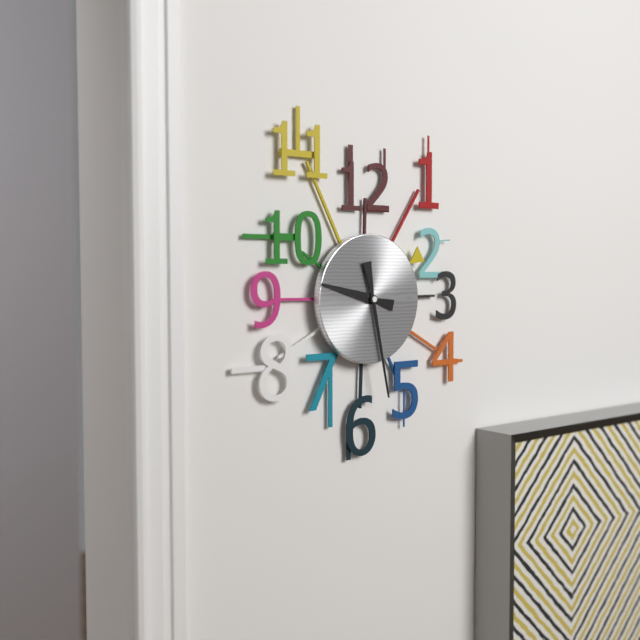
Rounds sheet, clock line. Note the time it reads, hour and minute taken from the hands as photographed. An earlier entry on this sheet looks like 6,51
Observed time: 9,28
